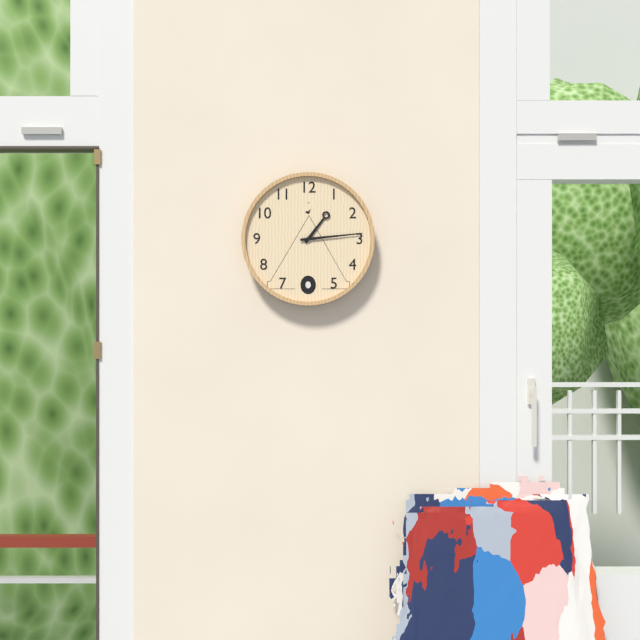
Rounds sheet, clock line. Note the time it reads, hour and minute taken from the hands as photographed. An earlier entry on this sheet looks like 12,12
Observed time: 1,14
